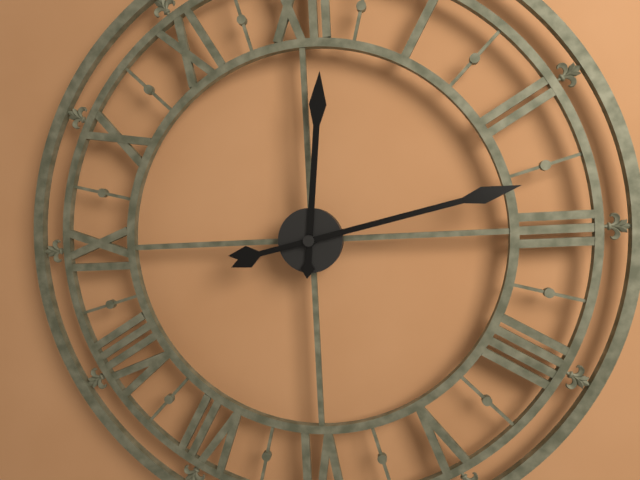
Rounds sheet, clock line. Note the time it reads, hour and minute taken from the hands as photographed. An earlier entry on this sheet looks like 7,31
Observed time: 12,13
